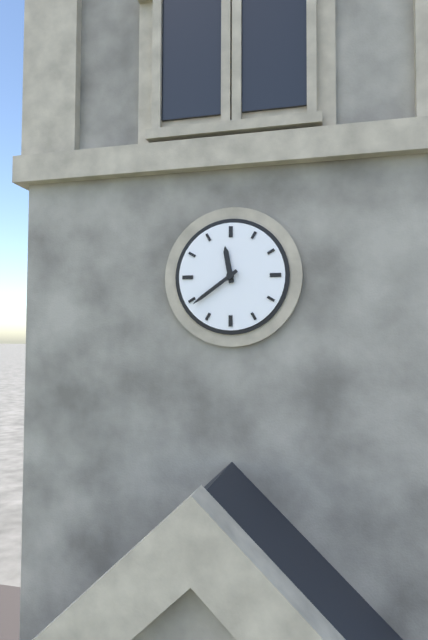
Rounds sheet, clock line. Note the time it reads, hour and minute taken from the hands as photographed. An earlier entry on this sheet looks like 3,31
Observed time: 11,39
